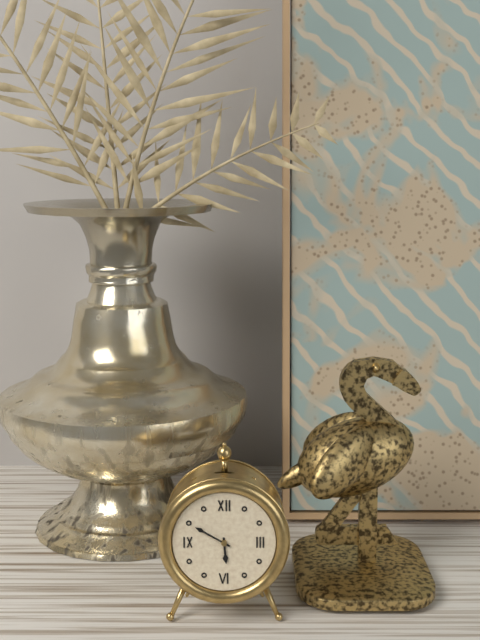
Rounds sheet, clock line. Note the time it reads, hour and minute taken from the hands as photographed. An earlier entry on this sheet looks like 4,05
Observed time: 5,50
